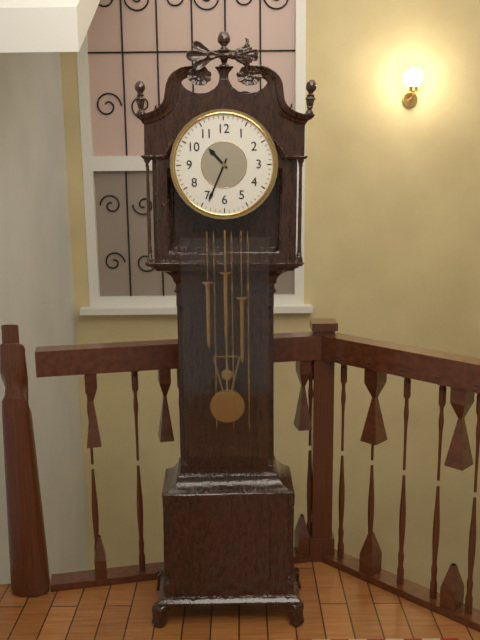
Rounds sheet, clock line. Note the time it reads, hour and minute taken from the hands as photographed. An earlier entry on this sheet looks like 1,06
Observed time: 10,34
